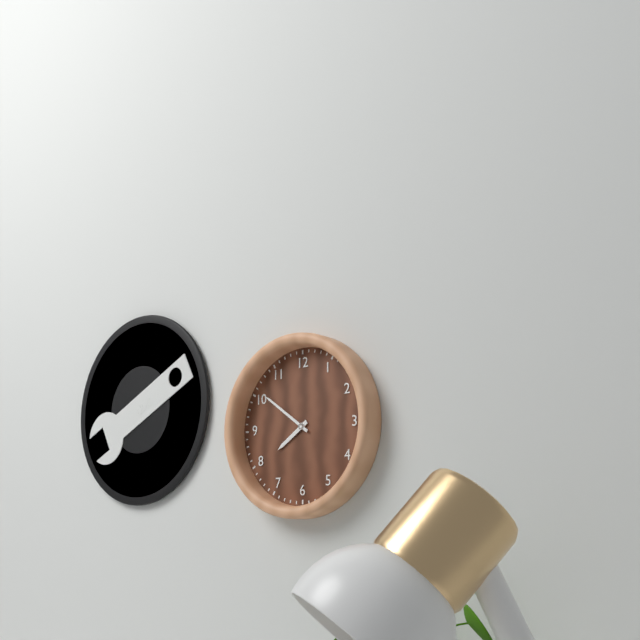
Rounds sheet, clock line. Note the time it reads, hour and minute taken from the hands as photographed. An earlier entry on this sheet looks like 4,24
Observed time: 7,51
